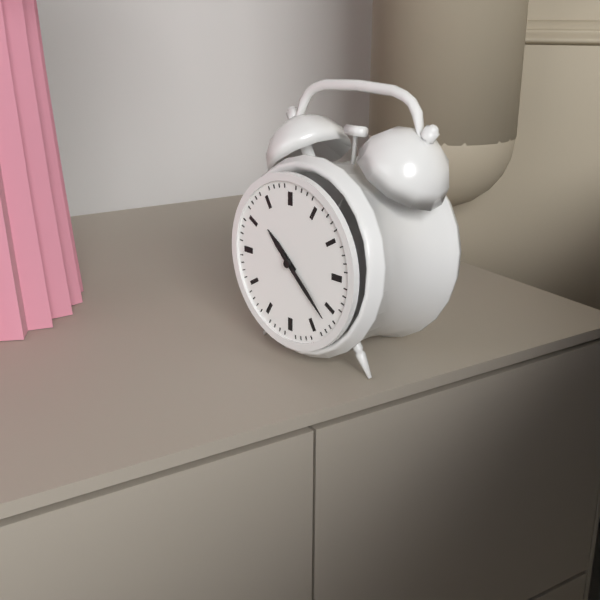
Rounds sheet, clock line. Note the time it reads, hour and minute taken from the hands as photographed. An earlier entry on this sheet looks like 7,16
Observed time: 10,22
